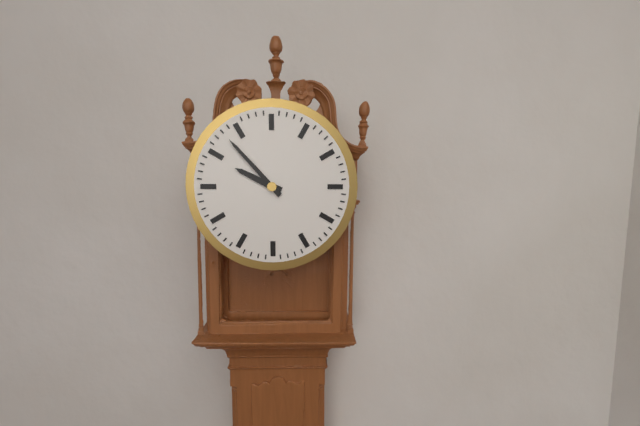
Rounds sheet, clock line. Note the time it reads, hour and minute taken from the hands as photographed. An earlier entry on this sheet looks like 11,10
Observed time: 9,53
